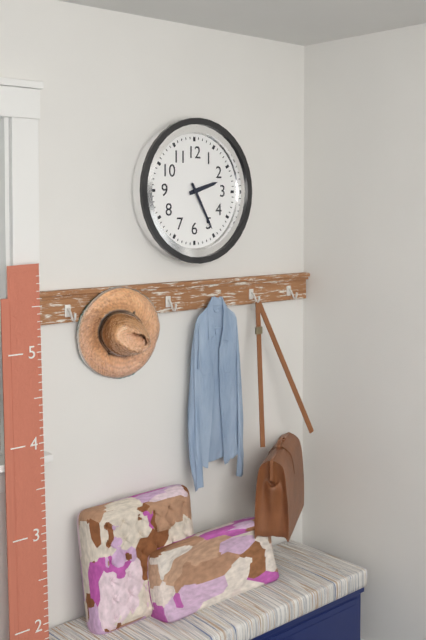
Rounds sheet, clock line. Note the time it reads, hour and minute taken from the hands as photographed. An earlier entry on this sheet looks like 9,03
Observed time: 2,25
